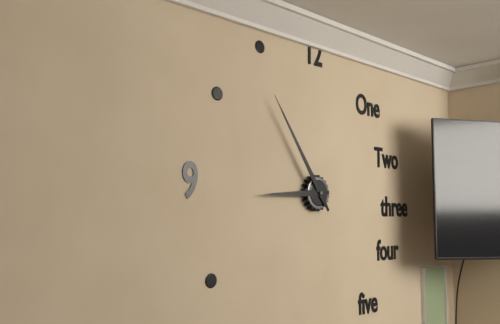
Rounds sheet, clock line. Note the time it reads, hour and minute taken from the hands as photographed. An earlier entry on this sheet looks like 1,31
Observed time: 8,54
